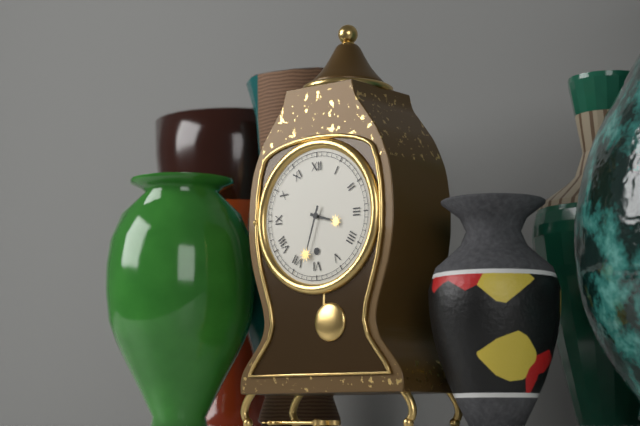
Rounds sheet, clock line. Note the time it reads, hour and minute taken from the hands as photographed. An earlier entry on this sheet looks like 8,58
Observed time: 3,33
